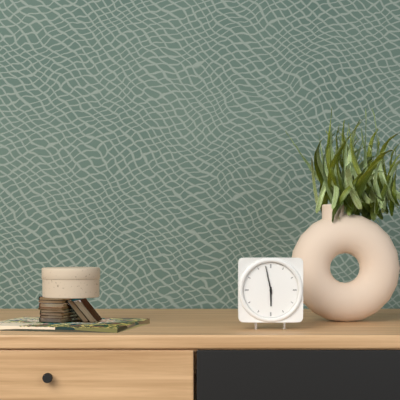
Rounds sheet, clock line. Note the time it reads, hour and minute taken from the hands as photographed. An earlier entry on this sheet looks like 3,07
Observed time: 5,58
